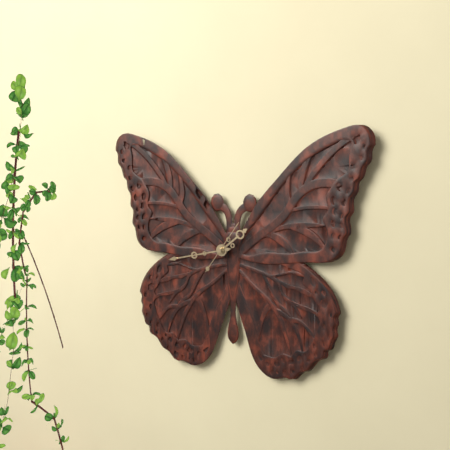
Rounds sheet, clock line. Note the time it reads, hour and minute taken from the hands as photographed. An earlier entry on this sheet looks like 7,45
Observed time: 1,43
